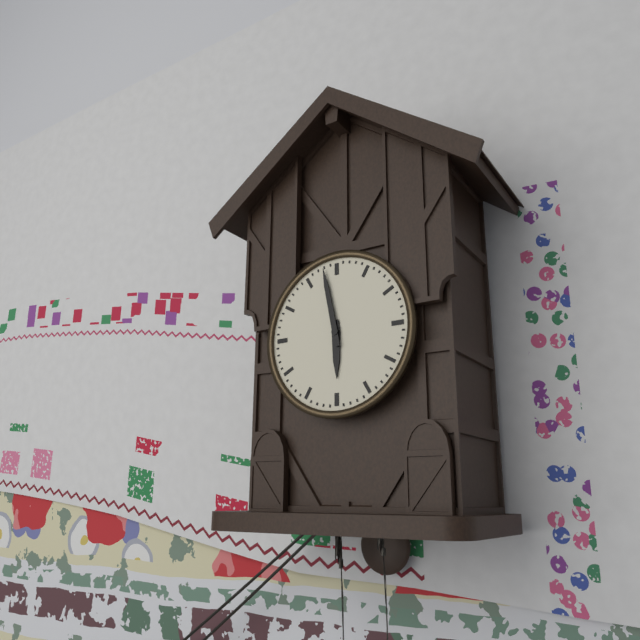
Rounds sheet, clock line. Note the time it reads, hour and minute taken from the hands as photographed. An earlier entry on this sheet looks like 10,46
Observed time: 5,58
